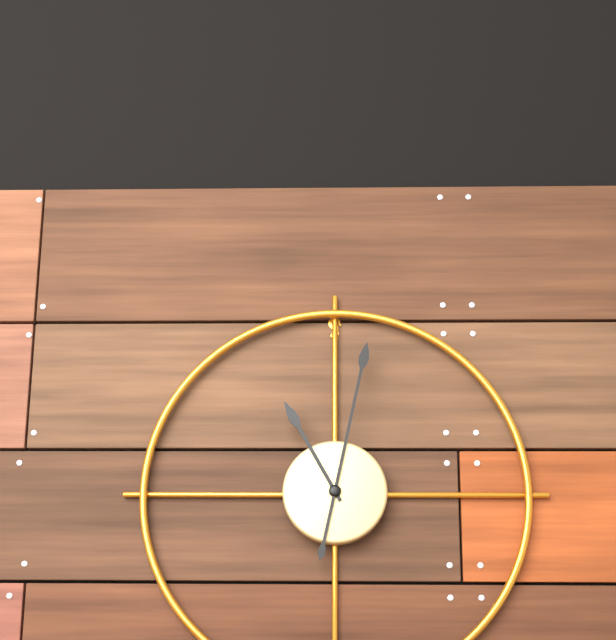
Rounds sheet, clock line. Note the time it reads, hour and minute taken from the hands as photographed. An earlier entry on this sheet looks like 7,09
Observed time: 11,02
